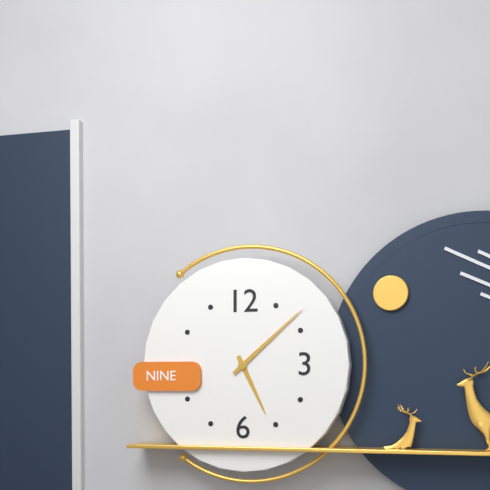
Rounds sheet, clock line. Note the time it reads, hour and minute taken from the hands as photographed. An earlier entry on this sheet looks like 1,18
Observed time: 5,08
